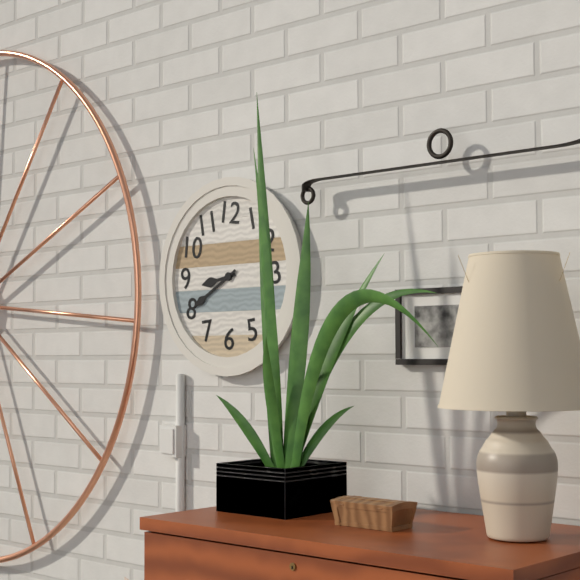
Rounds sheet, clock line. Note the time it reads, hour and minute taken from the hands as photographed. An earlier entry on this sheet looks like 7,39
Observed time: 8,40
